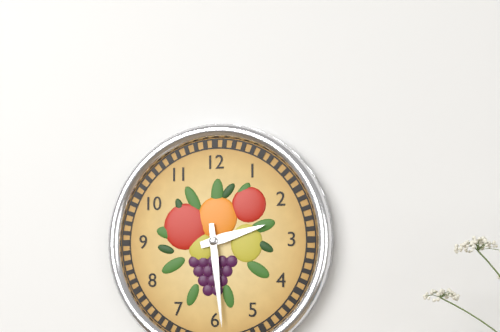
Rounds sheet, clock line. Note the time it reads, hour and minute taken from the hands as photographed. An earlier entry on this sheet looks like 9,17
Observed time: 2,29
